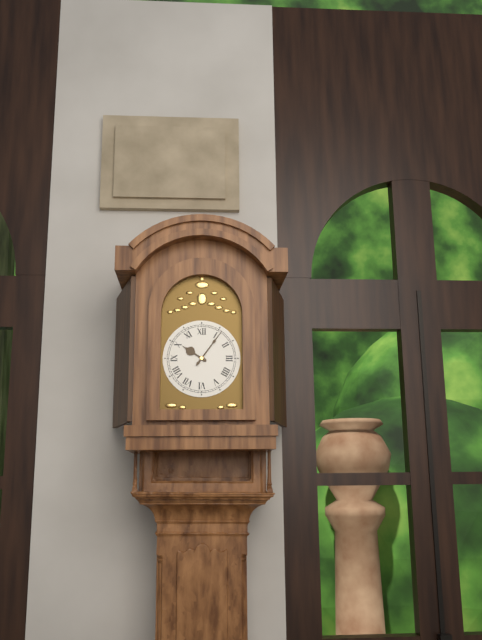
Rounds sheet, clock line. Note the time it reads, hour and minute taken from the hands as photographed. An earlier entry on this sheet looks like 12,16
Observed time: 10,06
